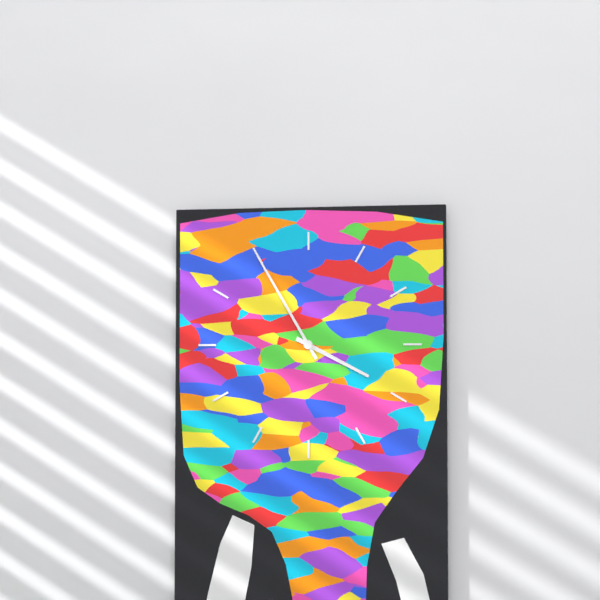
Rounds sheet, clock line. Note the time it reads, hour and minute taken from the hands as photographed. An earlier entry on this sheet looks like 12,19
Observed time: 3,55
